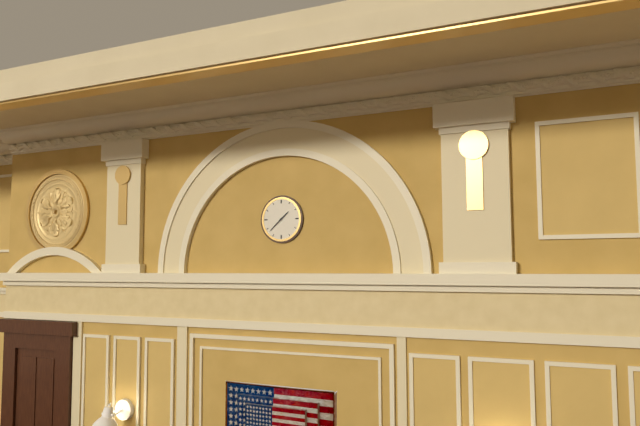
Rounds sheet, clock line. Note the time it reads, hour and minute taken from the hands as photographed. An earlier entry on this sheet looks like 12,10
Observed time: 1,38
